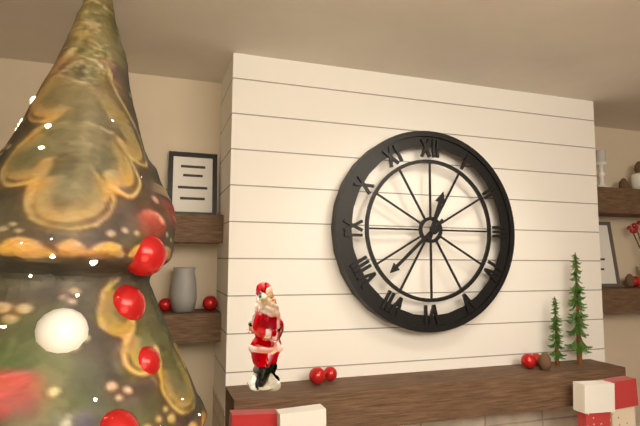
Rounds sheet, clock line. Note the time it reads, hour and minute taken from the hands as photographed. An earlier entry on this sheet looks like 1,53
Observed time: 12,38
